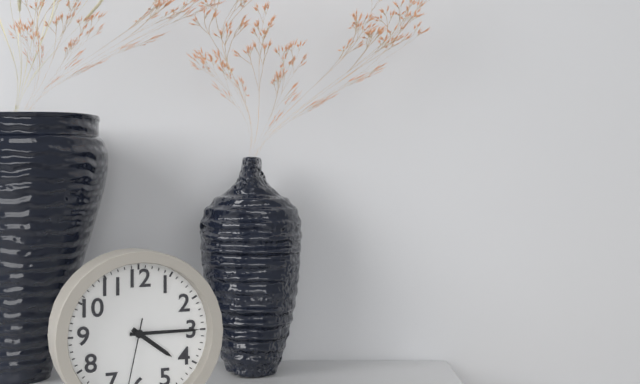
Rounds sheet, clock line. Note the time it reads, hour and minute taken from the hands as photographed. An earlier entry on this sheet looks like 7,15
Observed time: 4,15
